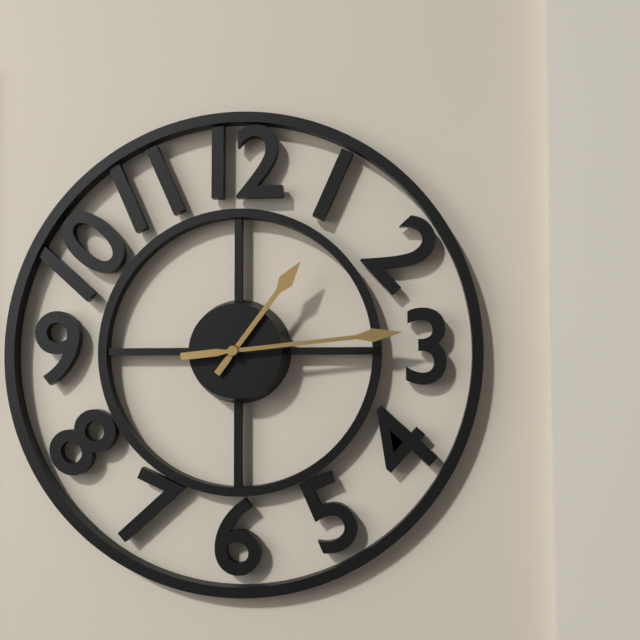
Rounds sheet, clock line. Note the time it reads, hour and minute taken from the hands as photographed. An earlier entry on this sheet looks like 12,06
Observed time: 1,14
